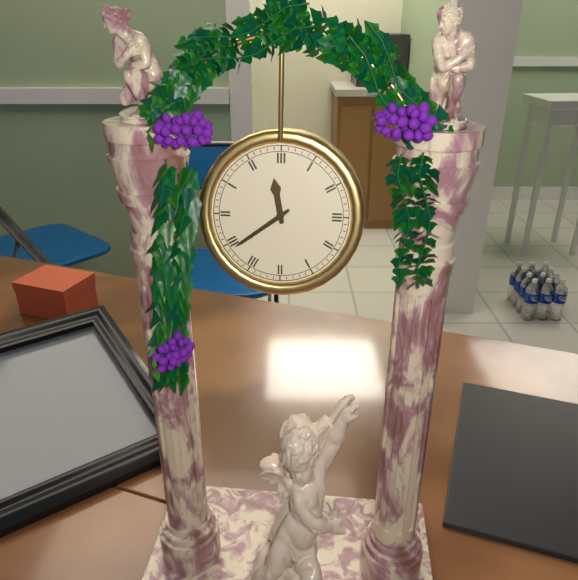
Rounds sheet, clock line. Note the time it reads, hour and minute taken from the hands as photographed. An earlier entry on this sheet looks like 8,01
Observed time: 11,39
